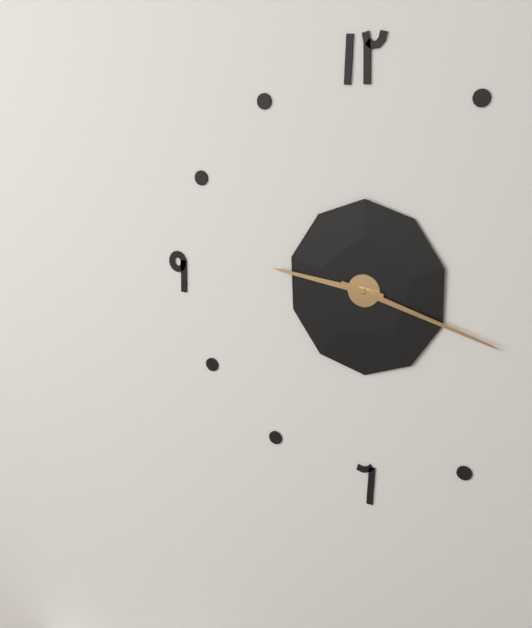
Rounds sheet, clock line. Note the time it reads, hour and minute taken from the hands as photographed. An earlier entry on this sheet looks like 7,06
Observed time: 9,18
